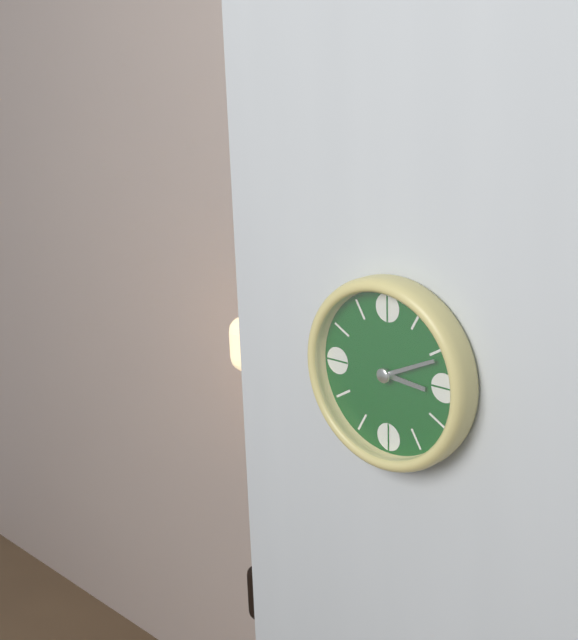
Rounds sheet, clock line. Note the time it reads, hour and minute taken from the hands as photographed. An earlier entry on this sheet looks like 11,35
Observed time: 3,11
